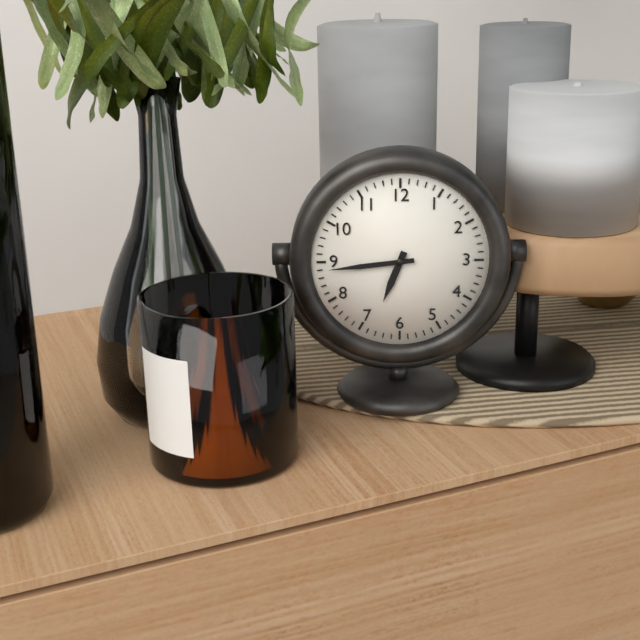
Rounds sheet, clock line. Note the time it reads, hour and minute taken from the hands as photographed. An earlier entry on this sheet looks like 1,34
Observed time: 6,44
